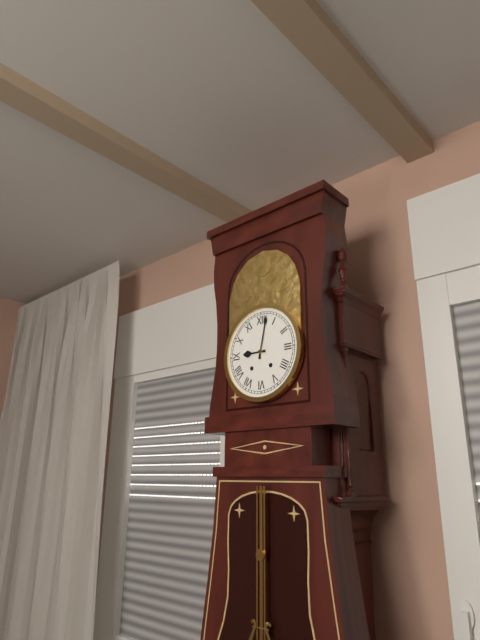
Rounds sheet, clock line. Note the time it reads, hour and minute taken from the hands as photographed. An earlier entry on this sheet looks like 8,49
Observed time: 9,02
